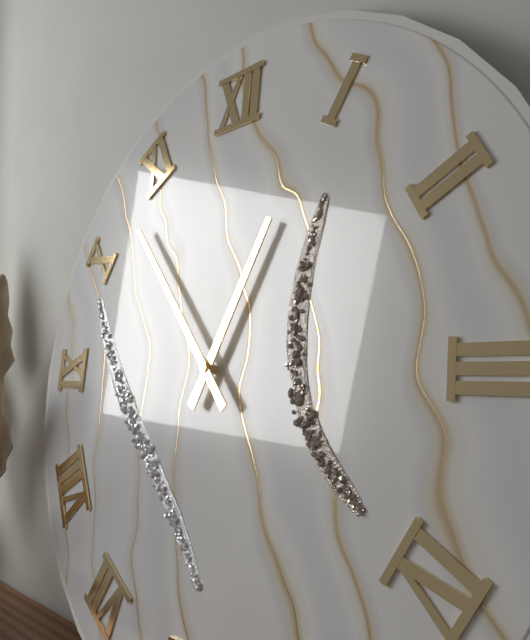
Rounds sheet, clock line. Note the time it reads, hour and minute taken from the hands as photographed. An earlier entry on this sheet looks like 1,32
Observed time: 12,53
